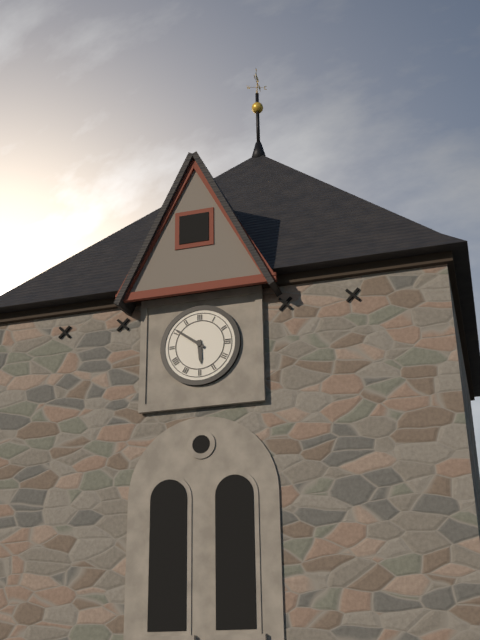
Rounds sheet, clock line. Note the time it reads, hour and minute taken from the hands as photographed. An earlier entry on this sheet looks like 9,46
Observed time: 5,51
